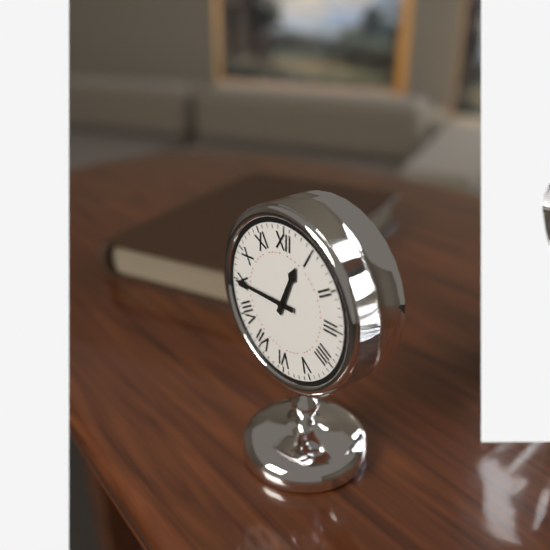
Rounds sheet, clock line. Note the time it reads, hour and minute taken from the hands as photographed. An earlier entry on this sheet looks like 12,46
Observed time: 12,45
